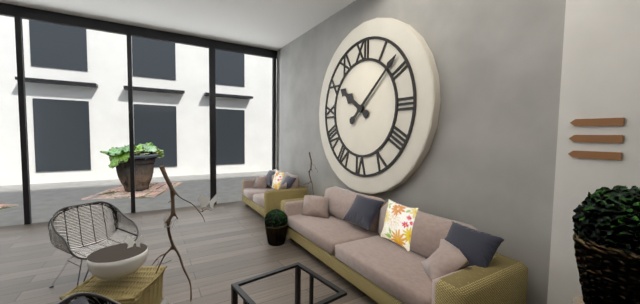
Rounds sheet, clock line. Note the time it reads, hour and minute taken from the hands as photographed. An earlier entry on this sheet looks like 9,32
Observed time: 10,08
